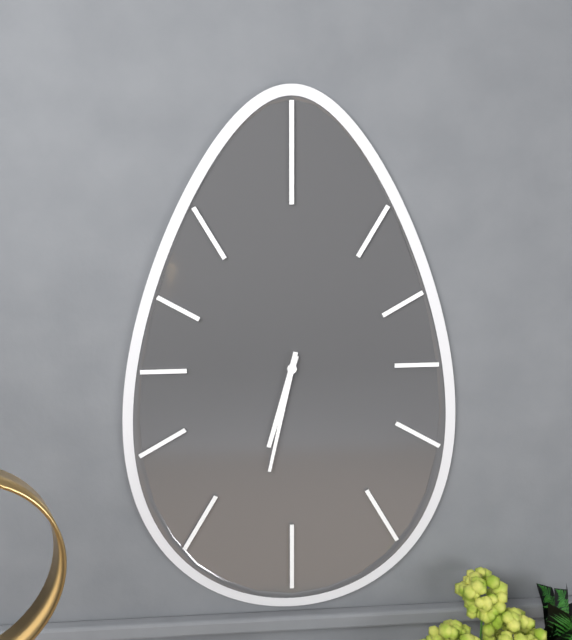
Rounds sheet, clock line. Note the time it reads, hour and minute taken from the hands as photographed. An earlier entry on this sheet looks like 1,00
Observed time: 6,32
